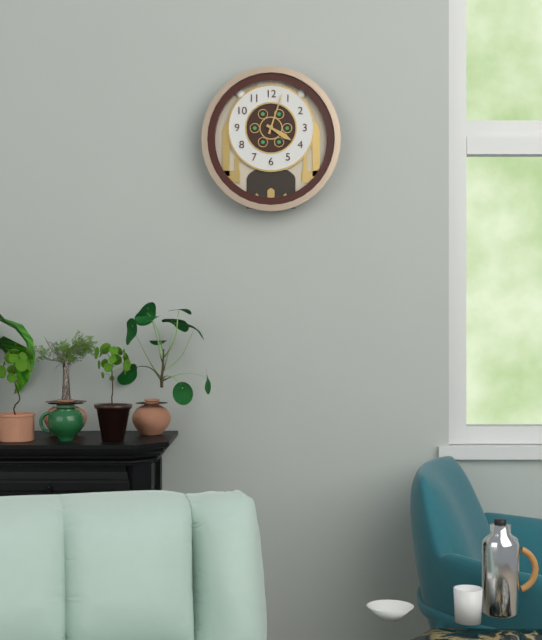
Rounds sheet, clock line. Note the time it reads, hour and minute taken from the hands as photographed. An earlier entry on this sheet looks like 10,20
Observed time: 4,03
